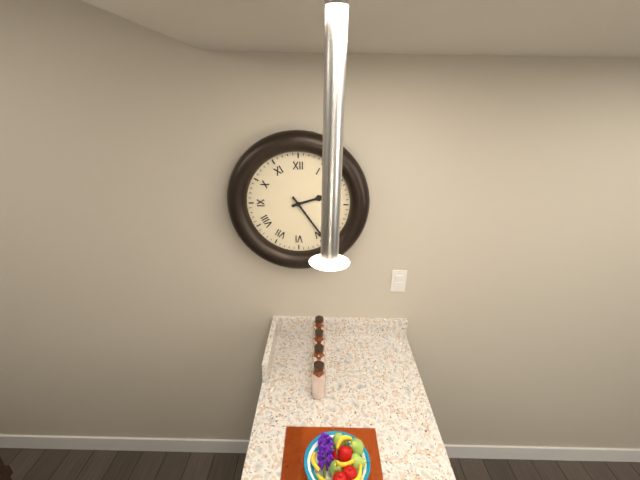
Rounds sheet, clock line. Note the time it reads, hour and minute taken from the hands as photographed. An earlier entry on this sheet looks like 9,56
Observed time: 2,24
